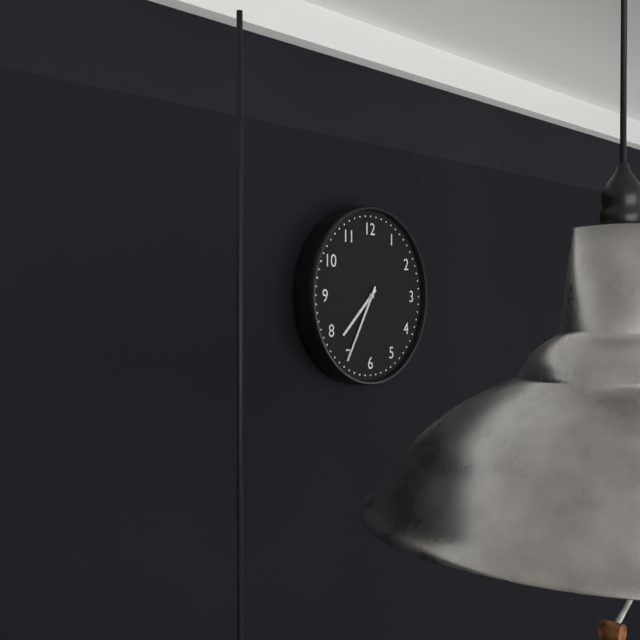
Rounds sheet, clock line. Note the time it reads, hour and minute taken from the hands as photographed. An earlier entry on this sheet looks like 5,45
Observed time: 7,35
